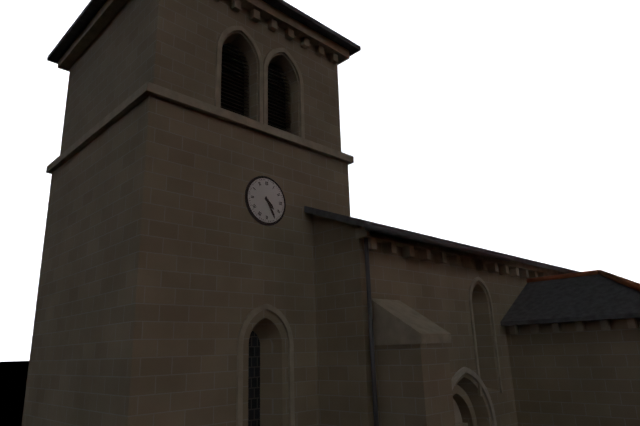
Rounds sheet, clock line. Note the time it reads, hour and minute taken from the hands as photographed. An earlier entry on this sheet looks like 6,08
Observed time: 4,25
